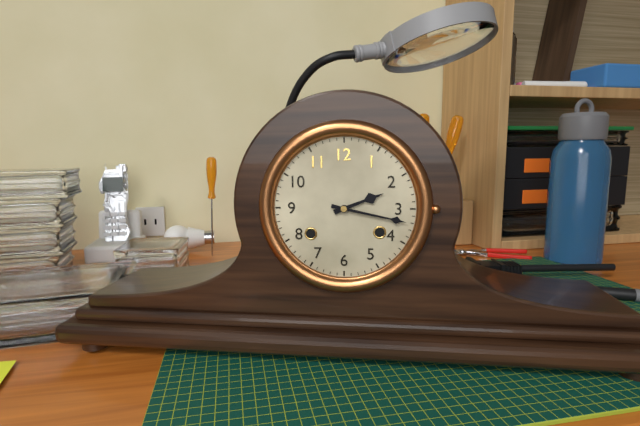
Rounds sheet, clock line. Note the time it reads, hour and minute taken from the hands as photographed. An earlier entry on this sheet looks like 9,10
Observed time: 2,17
